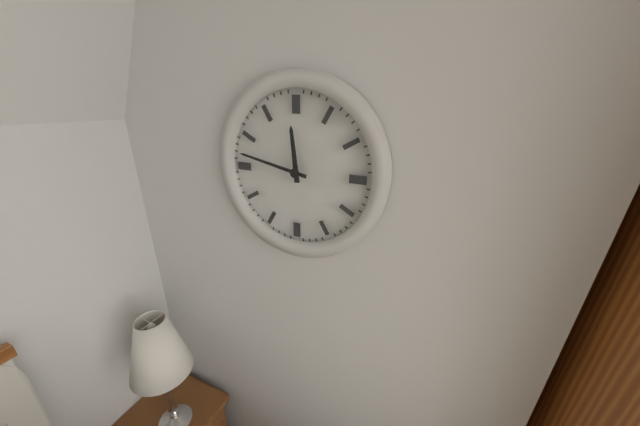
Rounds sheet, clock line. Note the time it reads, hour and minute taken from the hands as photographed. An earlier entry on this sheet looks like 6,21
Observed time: 11,47
